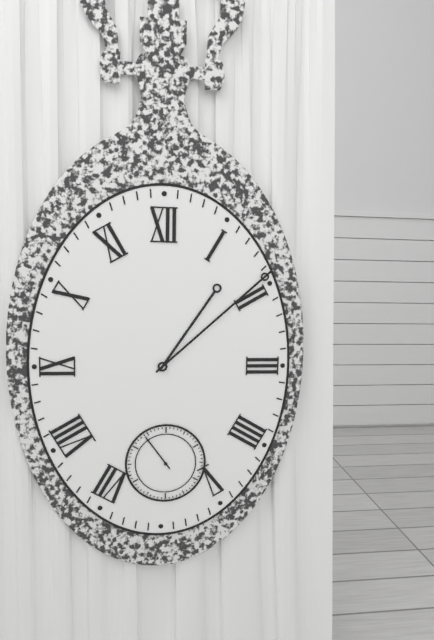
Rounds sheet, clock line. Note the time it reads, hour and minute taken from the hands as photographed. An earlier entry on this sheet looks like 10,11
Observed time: 1,08
